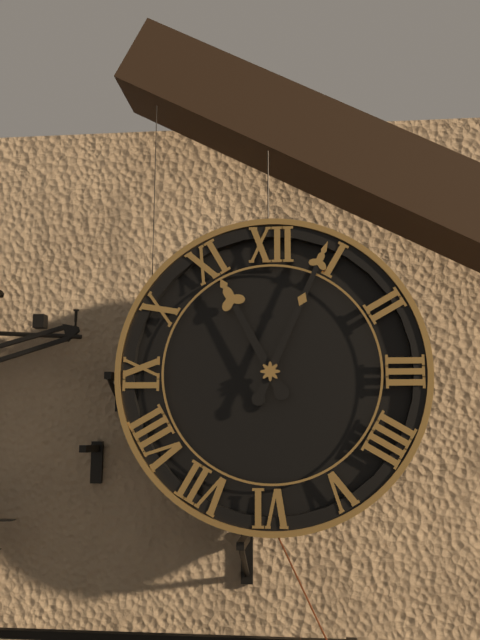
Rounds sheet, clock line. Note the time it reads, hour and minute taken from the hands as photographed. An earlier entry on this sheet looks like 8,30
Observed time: 11,04
